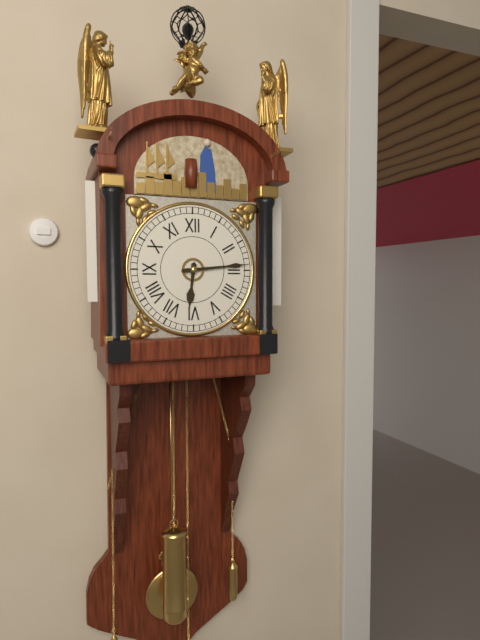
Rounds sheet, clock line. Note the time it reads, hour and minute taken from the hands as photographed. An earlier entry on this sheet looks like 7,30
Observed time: 6,14
